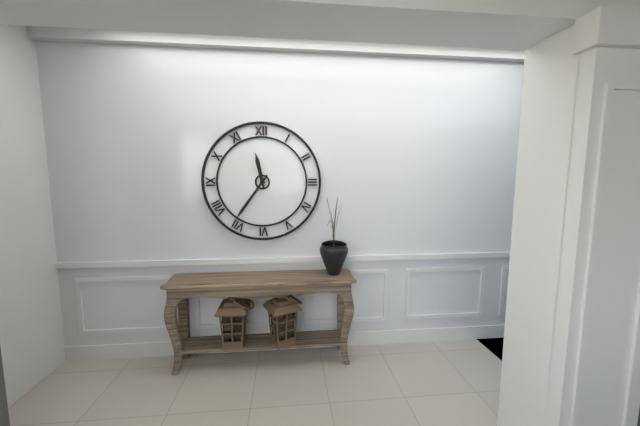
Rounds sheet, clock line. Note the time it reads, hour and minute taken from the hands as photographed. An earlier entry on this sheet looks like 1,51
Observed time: 11,36
